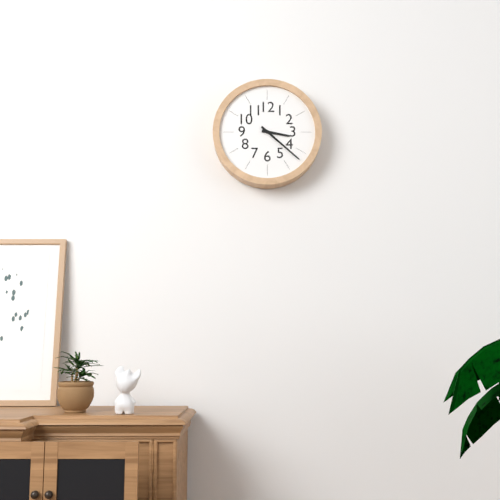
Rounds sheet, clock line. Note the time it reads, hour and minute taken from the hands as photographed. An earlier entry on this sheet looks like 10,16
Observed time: 3,22
